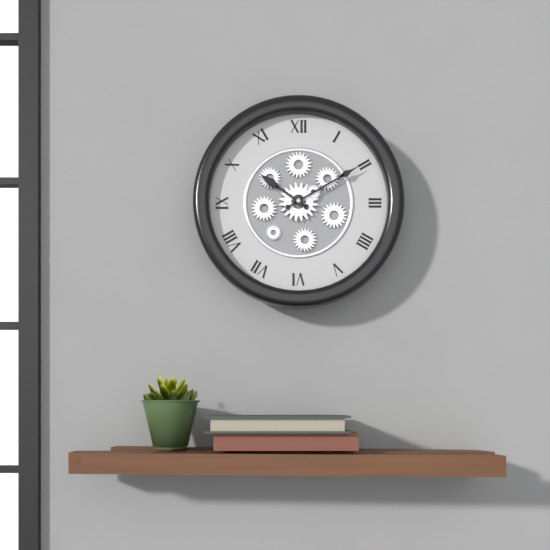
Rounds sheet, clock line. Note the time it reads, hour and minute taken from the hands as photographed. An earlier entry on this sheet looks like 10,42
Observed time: 10,10
